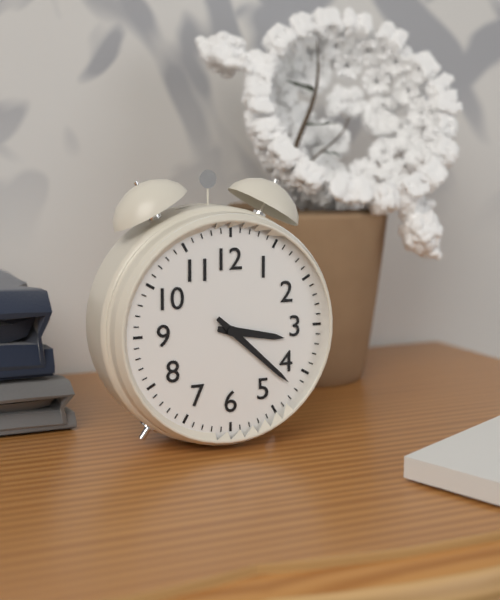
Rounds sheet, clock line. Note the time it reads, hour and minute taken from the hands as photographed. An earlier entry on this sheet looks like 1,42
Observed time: 3,22
